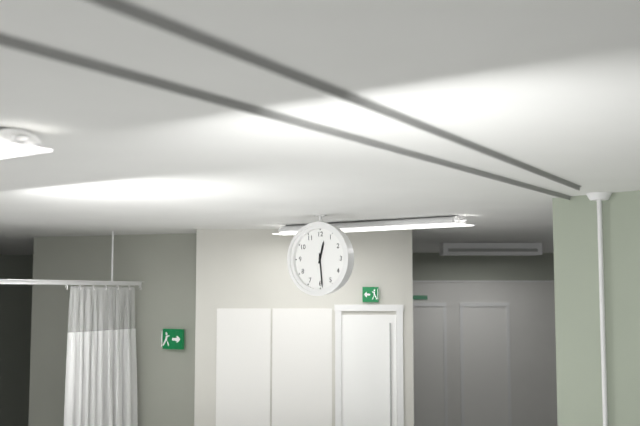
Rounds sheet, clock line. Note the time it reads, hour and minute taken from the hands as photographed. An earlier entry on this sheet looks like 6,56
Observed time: 12,29
